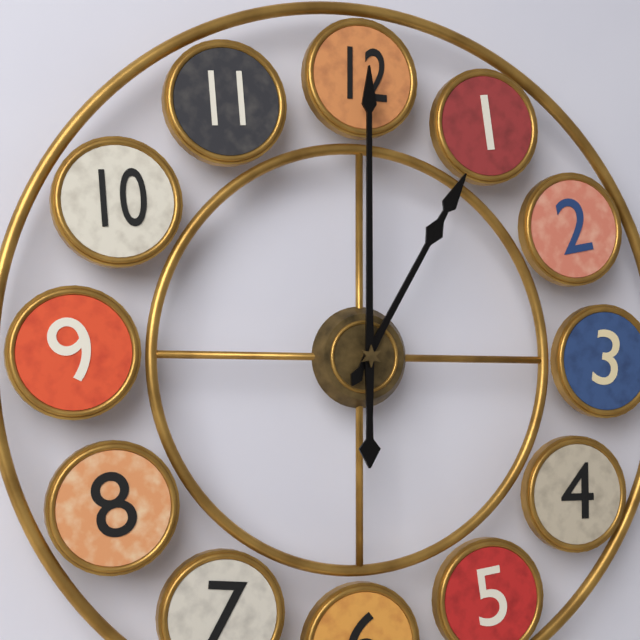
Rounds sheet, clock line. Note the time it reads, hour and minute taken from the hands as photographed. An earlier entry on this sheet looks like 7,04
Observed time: 1,00
